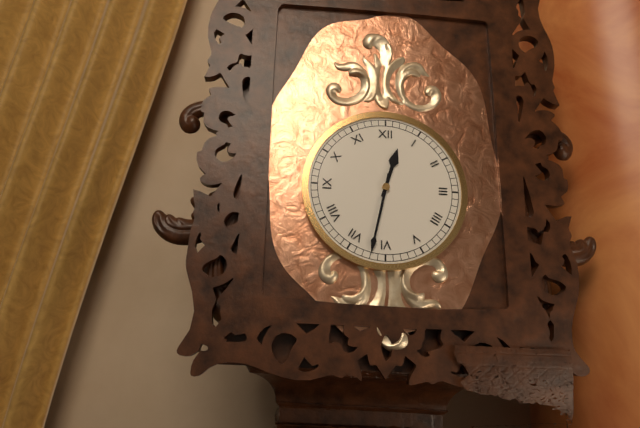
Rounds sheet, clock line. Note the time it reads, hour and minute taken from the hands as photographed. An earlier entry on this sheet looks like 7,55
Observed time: 12,32
